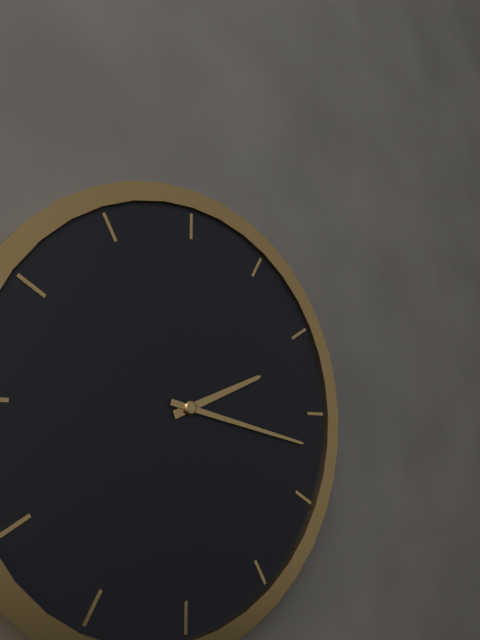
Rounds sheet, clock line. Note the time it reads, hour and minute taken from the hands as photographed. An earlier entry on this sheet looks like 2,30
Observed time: 2,17
